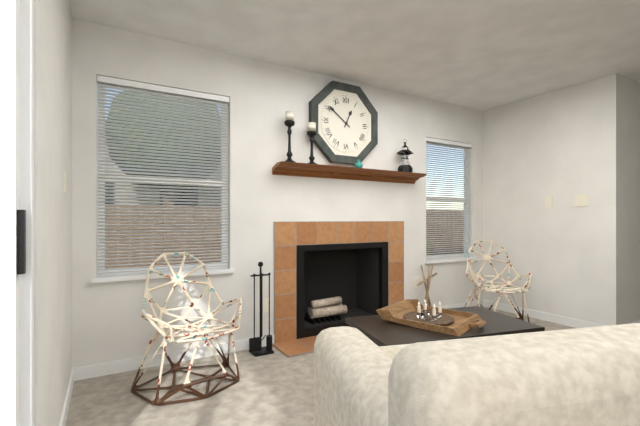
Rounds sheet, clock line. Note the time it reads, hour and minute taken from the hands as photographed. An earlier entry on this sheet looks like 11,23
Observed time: 12,51
